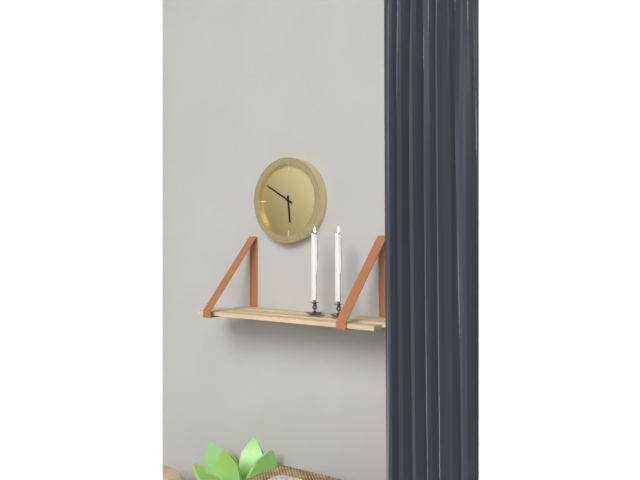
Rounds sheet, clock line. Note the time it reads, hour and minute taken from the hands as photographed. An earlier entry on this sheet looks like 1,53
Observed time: 5,50
